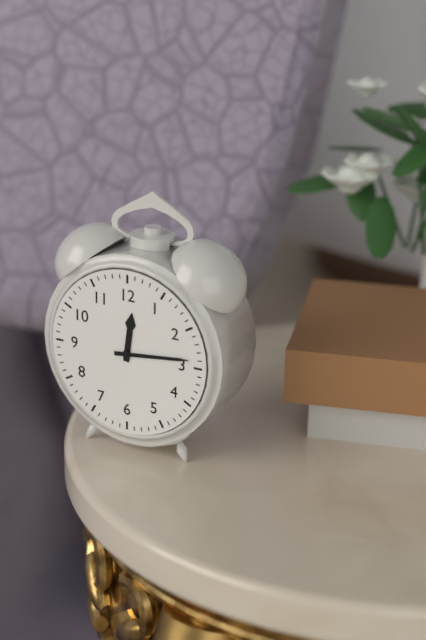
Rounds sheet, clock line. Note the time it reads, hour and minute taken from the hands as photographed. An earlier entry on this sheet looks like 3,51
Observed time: 12,14
